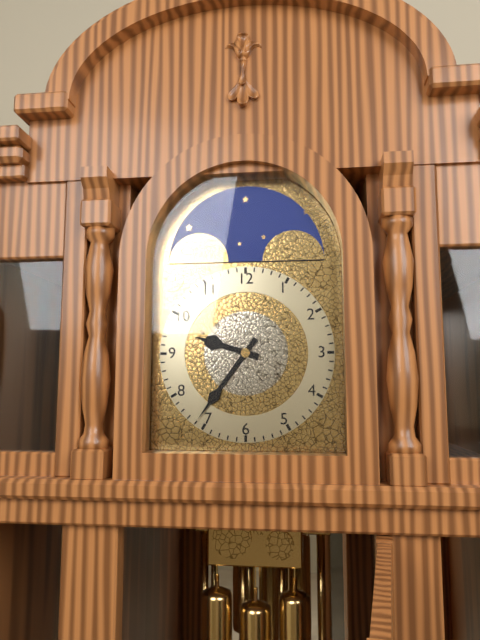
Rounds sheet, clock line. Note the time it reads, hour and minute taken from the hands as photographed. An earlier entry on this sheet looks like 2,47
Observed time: 9,36
